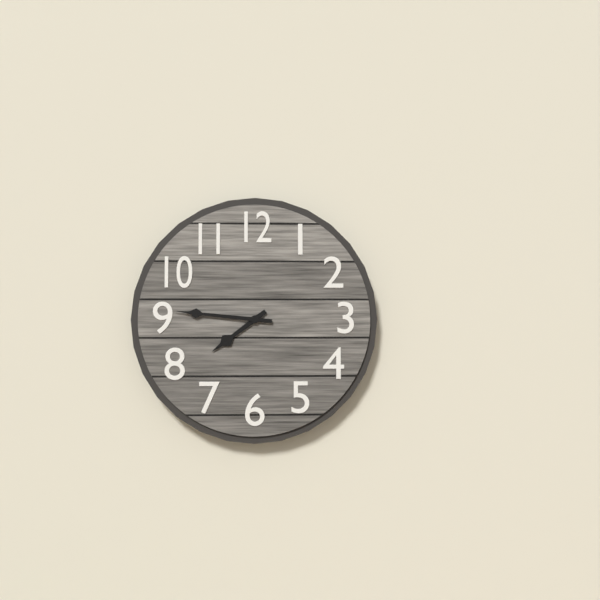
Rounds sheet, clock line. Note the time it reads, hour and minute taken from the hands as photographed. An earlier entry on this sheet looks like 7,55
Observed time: 7,46
